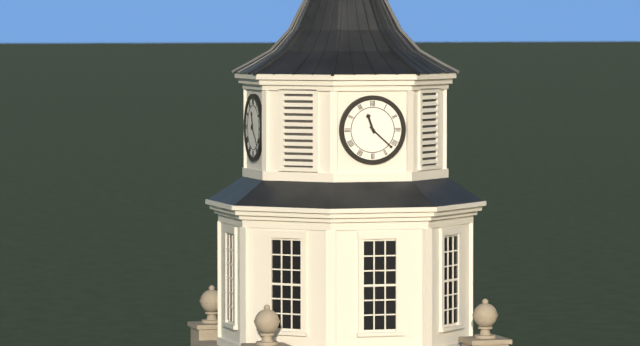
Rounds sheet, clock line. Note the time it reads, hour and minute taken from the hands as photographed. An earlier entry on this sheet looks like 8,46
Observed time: 11,22
